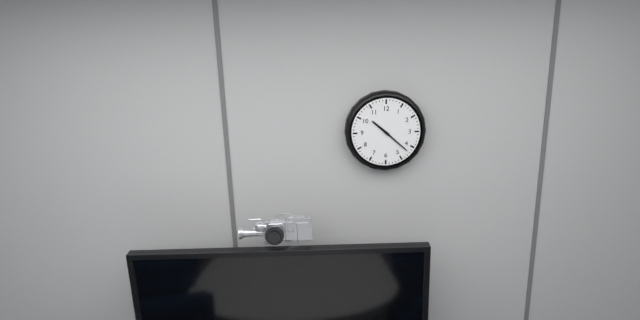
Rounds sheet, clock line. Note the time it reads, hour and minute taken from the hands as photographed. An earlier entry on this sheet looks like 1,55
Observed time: 10,22
